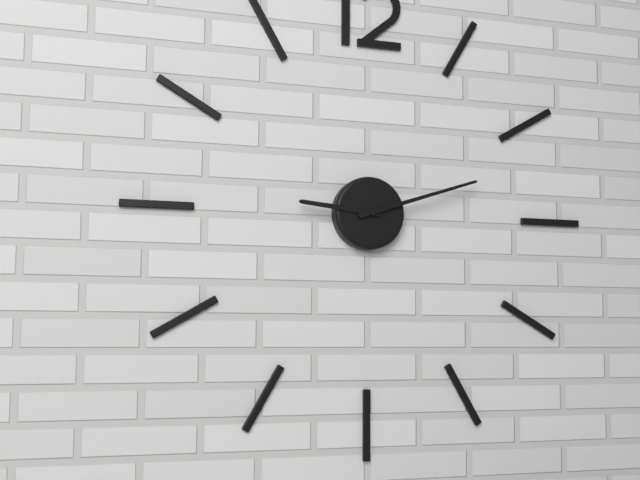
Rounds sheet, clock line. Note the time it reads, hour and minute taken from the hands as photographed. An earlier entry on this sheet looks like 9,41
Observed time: 9,12
